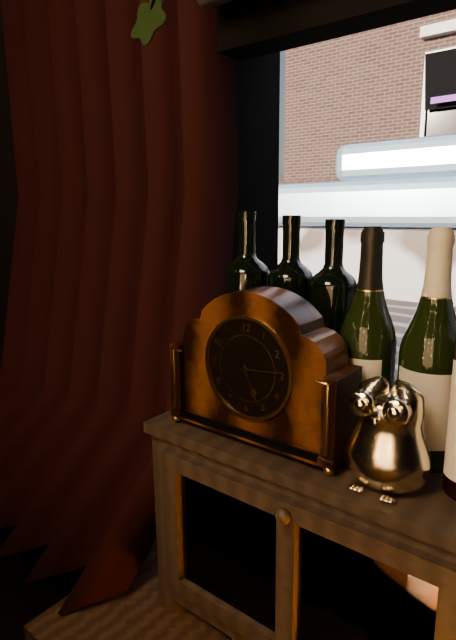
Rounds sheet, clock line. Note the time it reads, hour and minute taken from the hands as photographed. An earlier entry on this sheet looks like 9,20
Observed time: 5,14
